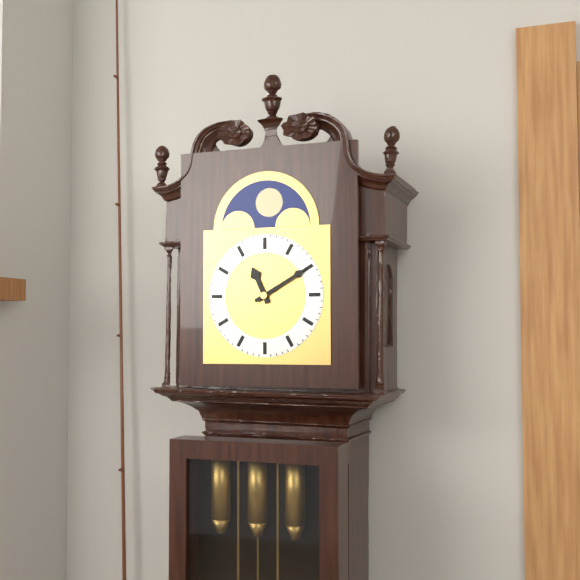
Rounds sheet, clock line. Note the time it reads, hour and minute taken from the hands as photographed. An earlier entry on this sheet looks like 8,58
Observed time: 11,10
